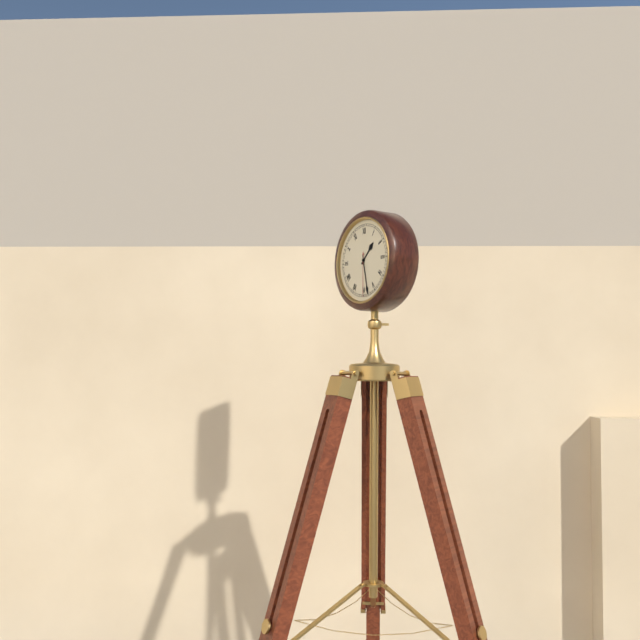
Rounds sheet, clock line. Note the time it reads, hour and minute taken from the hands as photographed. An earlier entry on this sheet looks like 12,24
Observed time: 1,28
